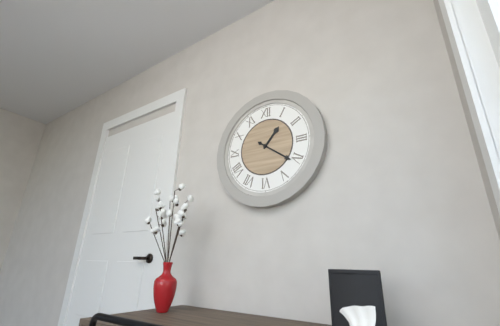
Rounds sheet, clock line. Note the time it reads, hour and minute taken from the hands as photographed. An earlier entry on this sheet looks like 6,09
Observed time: 1,21
